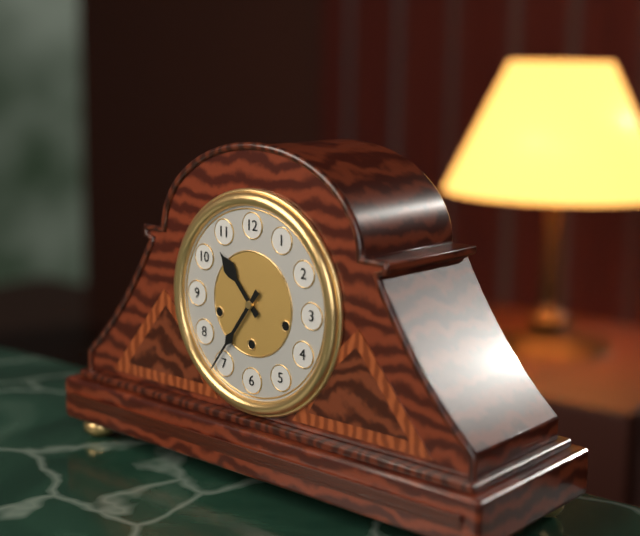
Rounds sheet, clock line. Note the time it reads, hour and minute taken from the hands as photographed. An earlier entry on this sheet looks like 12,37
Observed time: 10,36
